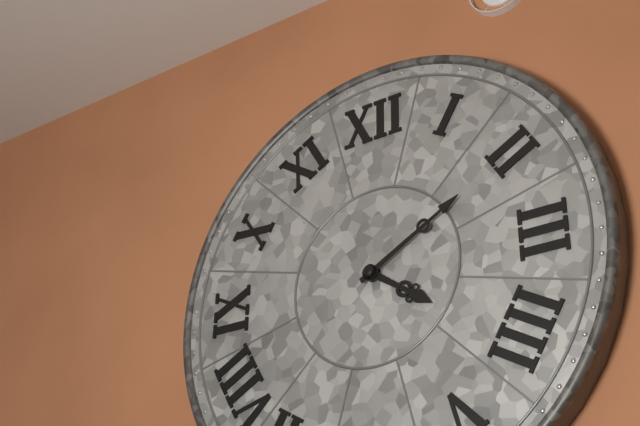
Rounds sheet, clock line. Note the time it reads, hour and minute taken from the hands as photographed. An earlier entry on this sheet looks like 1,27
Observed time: 4,10
